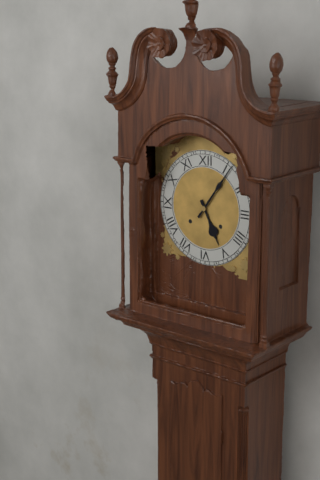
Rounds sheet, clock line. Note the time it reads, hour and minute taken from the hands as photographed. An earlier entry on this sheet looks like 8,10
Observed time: 5,06
